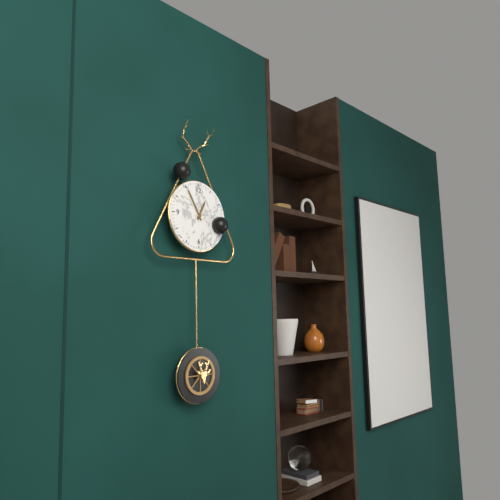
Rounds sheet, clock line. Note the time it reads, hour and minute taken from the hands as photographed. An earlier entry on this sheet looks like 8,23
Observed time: 12,55
